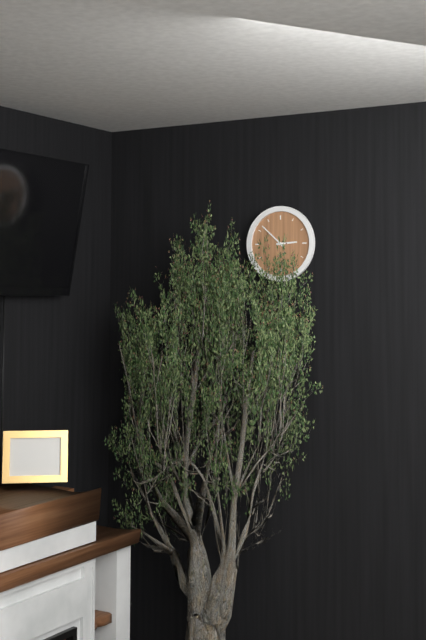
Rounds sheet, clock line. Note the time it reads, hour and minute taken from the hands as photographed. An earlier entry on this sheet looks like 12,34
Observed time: 2,52
